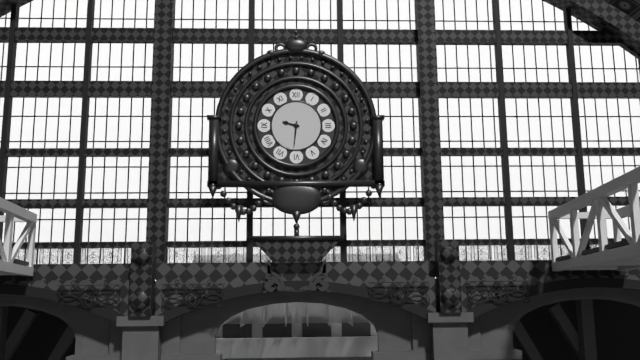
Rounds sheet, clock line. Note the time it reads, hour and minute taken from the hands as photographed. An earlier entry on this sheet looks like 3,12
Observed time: 9,31
